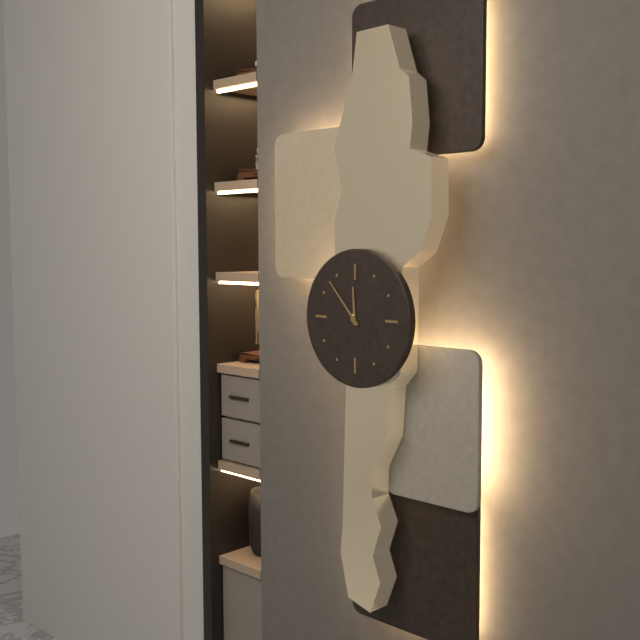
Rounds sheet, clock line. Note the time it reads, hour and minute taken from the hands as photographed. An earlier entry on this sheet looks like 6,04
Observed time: 11,53
